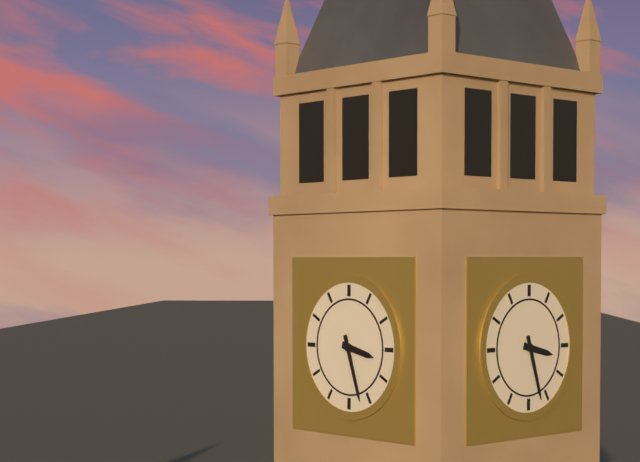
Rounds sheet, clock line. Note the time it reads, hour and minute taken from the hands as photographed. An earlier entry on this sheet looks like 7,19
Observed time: 3,27
